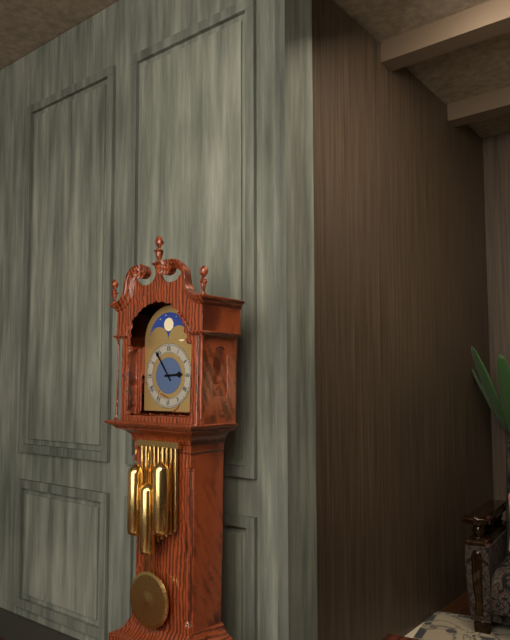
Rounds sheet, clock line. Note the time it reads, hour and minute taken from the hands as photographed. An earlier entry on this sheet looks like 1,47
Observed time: 2,54
